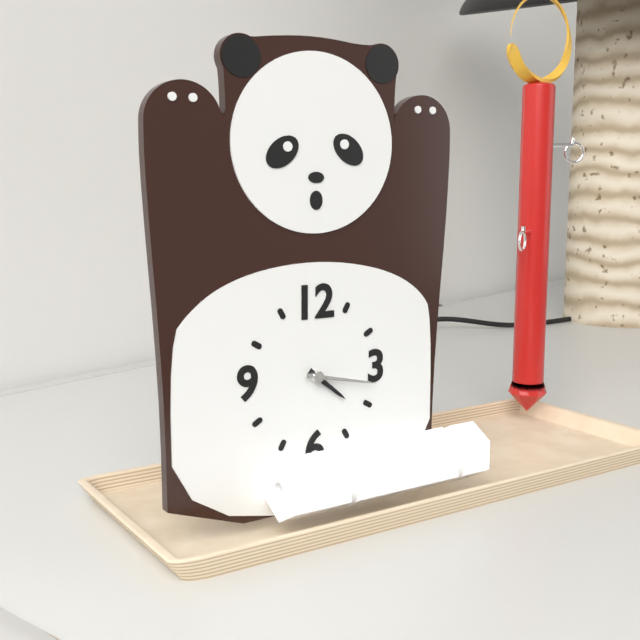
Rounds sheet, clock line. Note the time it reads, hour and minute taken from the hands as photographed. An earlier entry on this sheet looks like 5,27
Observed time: 4,17
